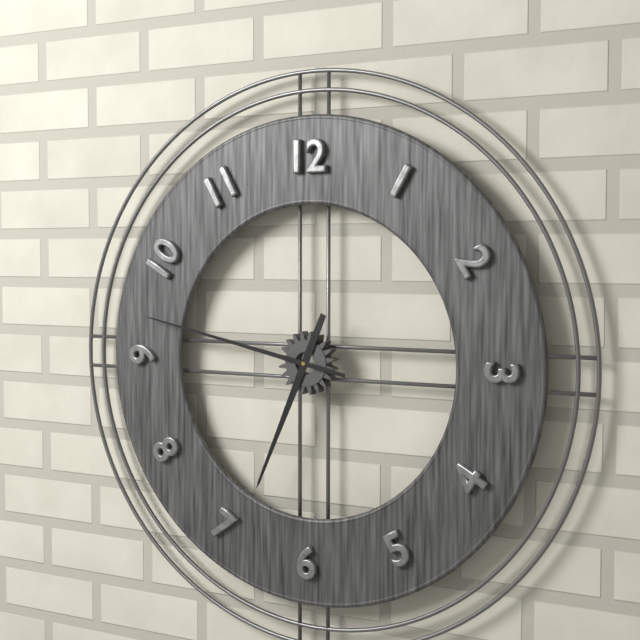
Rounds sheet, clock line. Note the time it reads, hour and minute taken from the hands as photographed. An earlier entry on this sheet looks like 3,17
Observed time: 6,47
